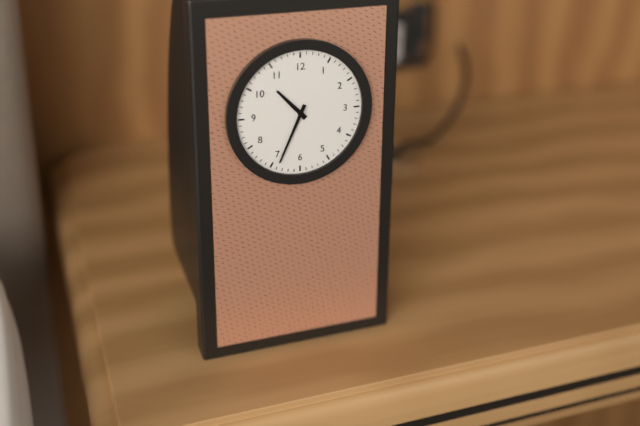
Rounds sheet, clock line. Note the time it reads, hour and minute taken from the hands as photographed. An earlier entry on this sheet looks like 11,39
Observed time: 10,34
